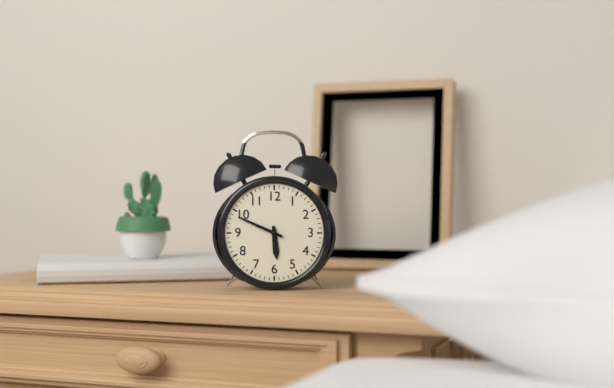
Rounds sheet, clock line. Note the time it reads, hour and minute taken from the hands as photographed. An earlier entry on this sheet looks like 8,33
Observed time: 5,49
